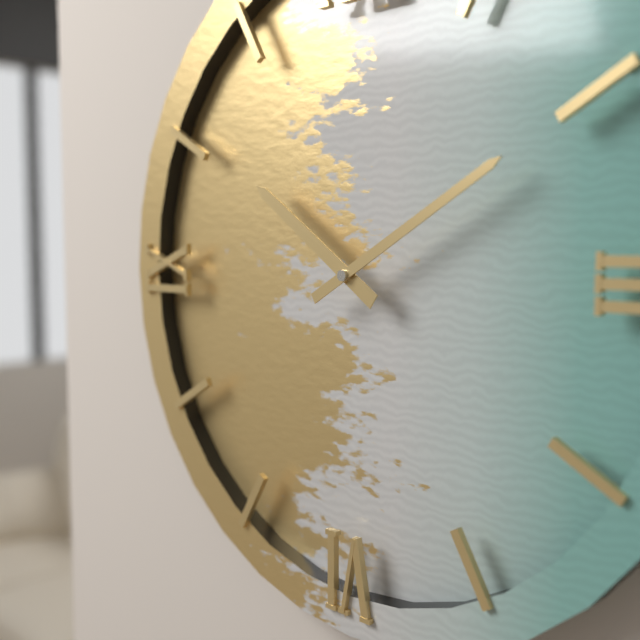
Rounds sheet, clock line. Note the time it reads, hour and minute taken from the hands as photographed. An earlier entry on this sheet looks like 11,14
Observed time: 10,10
